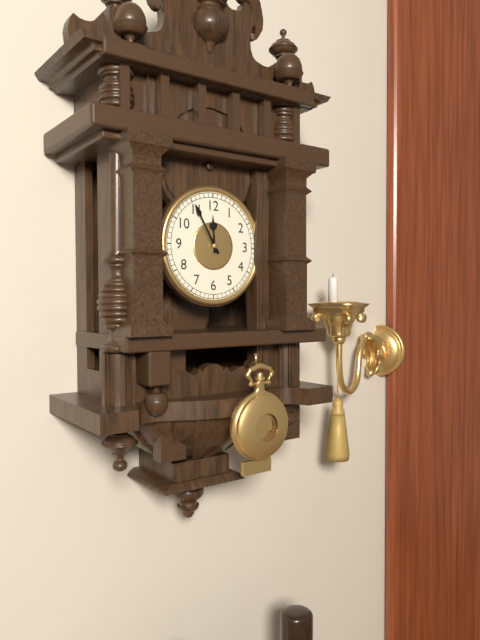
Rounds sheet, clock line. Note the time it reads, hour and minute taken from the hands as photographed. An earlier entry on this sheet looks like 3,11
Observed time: 11,55
